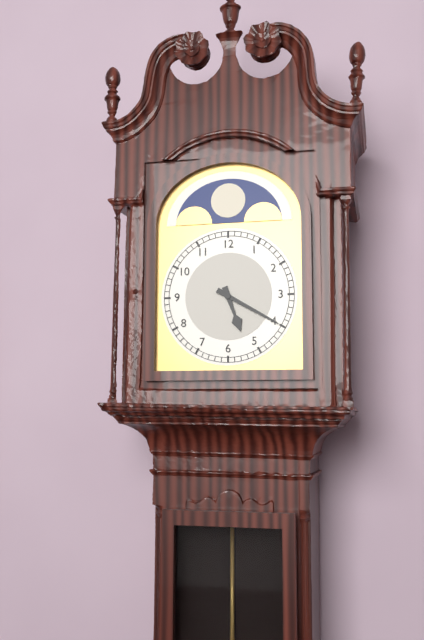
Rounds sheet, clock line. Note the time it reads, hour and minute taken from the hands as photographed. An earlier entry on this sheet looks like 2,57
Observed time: 5,20
